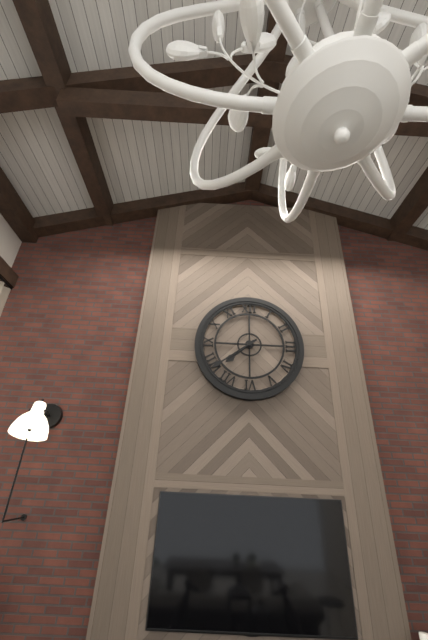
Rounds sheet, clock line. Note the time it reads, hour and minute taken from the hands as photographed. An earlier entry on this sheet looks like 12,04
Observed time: 7,39
